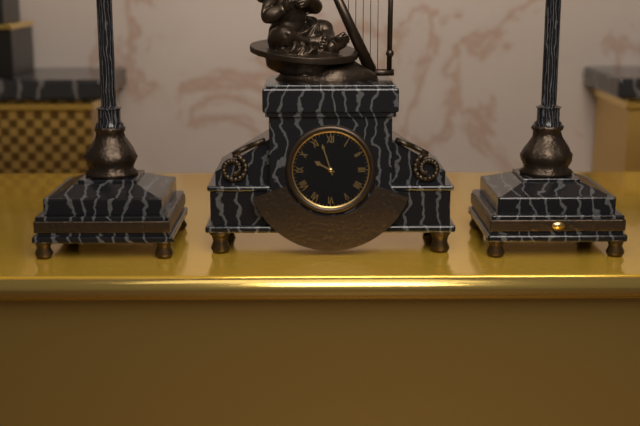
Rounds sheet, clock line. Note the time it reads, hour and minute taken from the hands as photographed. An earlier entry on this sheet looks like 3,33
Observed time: 9,57
